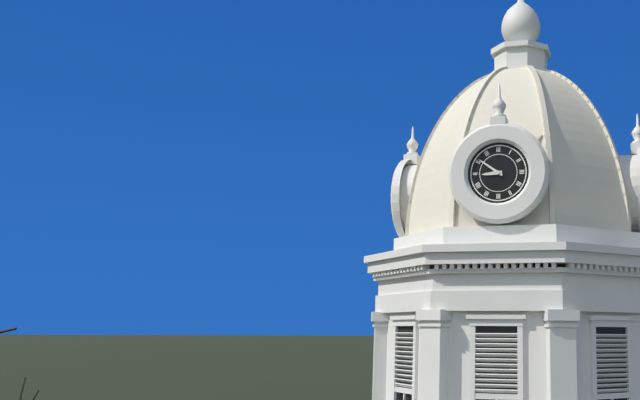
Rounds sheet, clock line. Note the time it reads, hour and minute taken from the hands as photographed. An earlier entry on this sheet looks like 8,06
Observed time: 8,51
